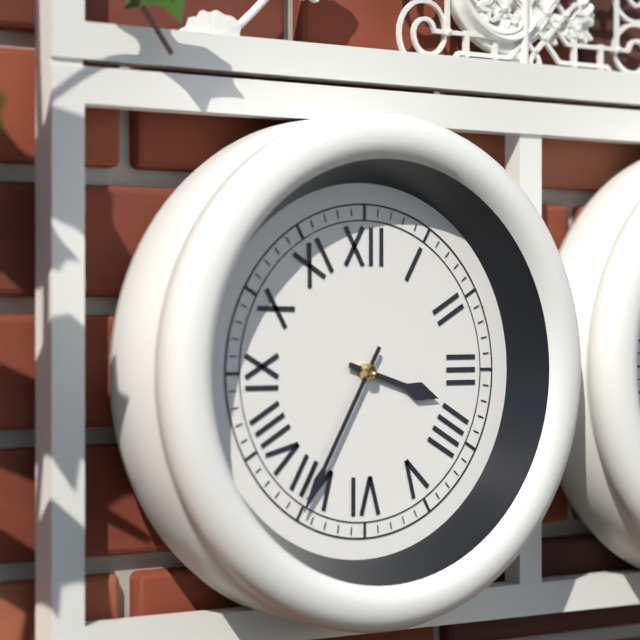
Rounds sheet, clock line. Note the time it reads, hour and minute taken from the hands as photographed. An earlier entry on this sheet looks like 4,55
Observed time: 3,35
